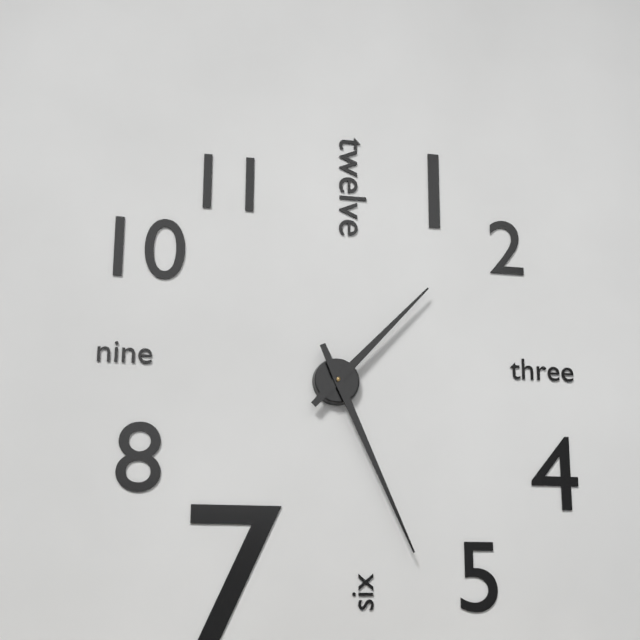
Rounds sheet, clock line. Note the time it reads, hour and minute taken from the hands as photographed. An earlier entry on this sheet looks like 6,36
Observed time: 1,26
